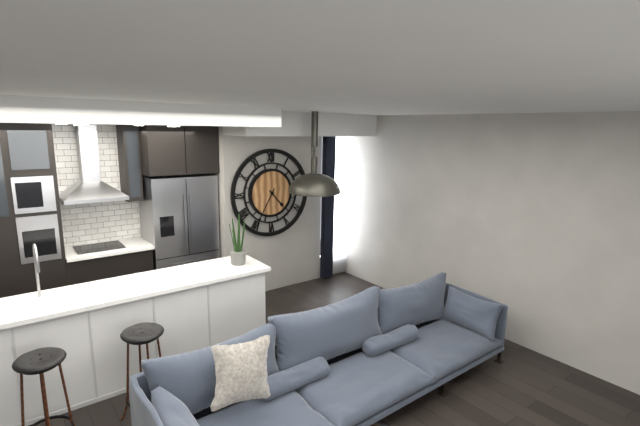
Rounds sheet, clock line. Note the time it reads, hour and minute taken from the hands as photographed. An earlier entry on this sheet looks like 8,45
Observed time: 4,35
